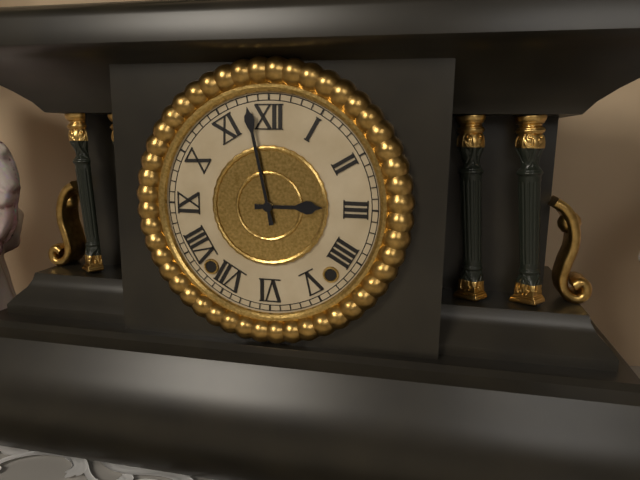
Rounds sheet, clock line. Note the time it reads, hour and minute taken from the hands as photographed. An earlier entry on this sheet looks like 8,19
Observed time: 2,58
